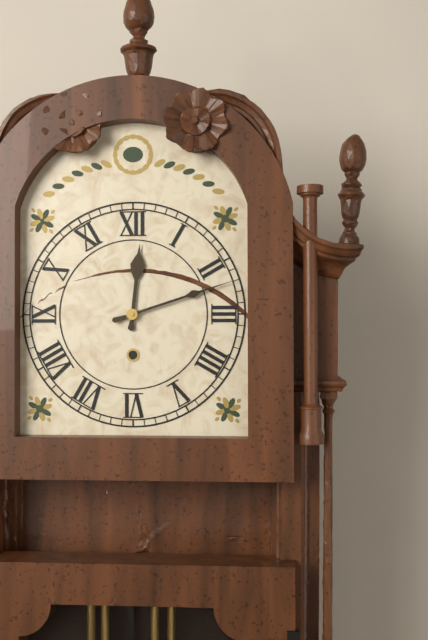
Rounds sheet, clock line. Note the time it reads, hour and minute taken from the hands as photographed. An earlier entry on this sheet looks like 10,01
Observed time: 12,12
